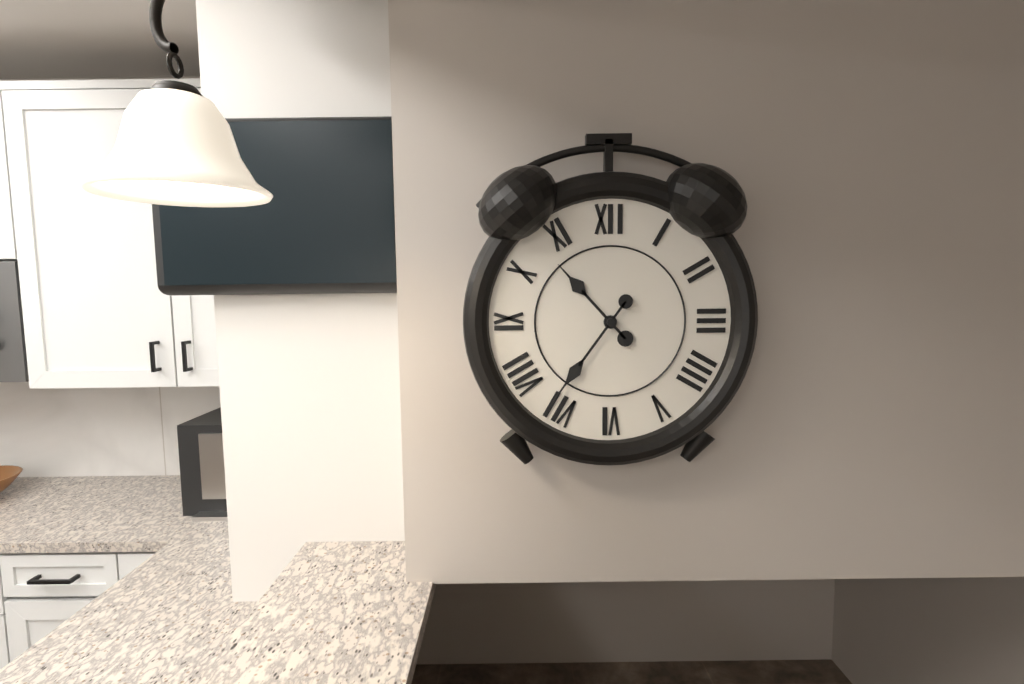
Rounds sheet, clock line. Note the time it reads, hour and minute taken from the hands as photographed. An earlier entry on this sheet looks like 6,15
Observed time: 10,36
